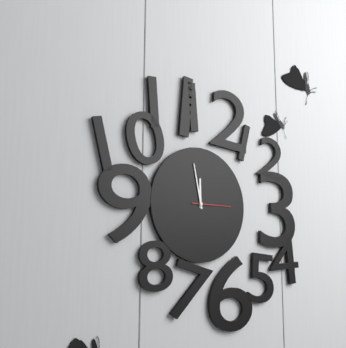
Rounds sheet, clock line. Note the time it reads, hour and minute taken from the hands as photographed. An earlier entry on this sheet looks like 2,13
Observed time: 11,58
